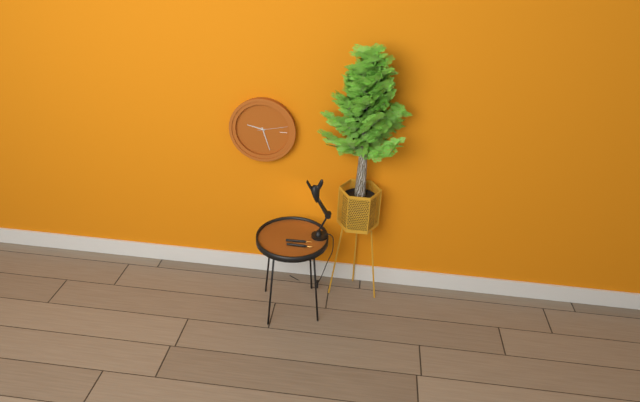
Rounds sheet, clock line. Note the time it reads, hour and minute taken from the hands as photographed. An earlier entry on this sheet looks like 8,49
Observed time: 9,27
